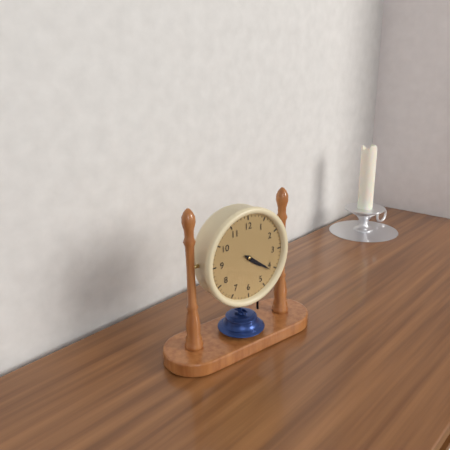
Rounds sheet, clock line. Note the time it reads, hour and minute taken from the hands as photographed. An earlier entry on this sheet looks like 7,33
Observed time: 4,21
